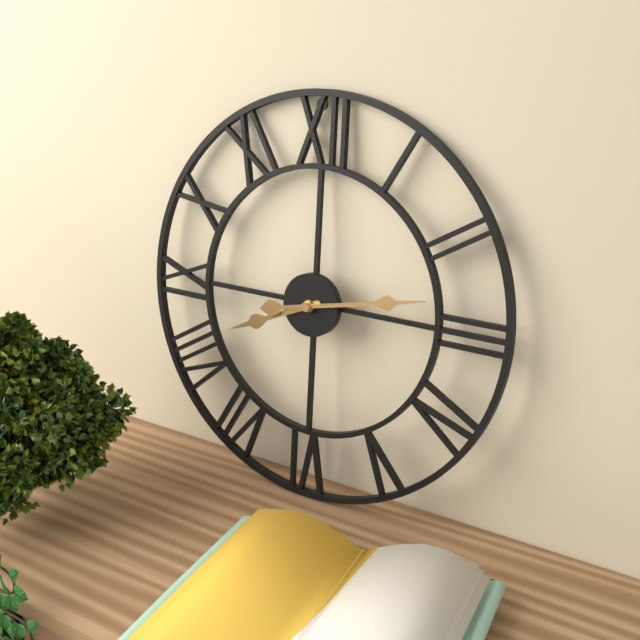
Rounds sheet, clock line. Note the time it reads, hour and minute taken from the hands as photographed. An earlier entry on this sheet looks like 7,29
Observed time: 8,13
